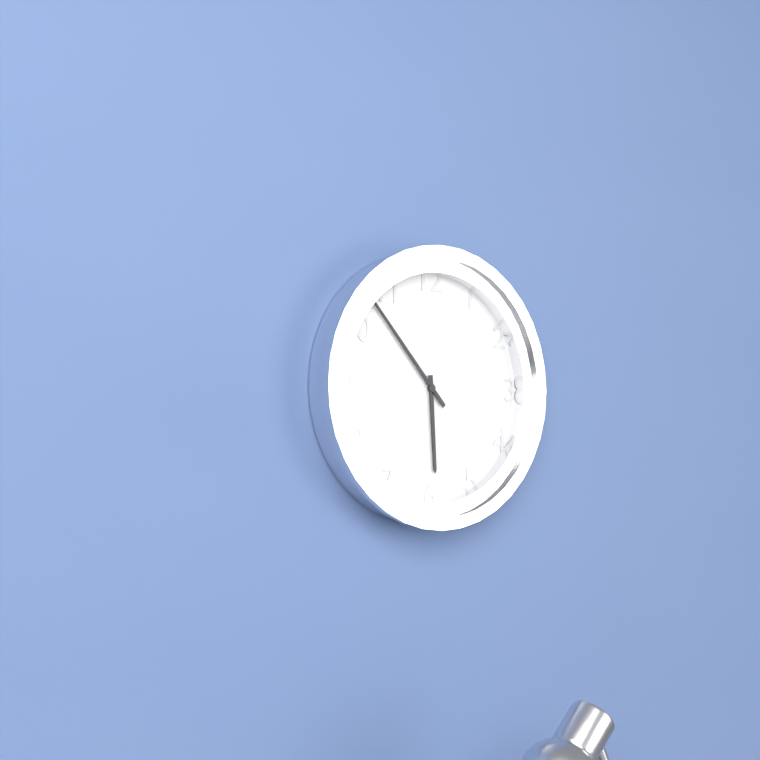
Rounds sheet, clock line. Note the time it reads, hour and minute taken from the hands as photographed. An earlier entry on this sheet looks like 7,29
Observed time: 5,53
